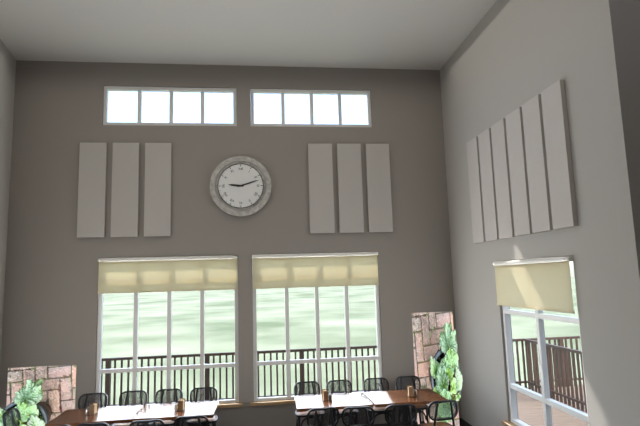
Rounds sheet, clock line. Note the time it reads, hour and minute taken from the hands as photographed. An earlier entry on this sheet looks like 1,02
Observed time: 9,12
